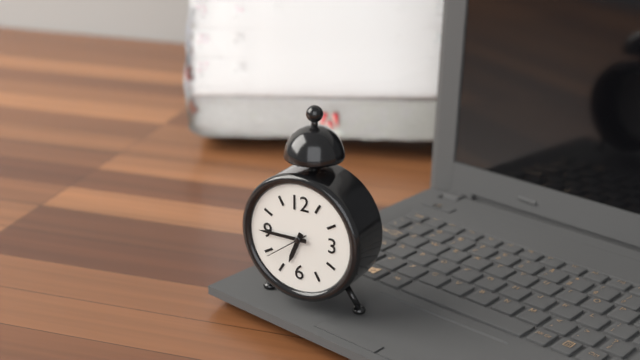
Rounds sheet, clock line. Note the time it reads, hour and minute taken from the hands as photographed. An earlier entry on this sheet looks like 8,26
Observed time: 6,45
